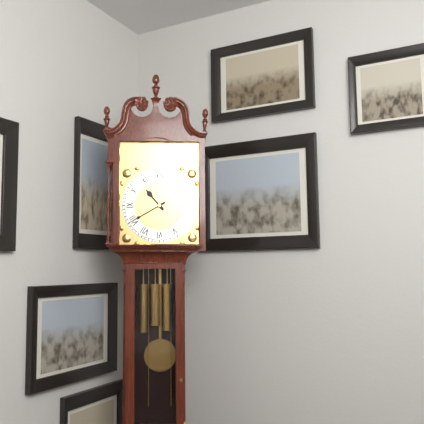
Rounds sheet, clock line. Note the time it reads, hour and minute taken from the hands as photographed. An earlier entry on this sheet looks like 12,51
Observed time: 10,40
